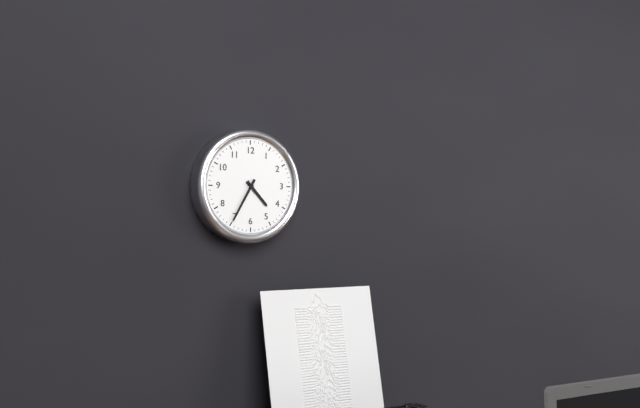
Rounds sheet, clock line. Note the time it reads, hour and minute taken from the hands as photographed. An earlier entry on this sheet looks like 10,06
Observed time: 4,35
